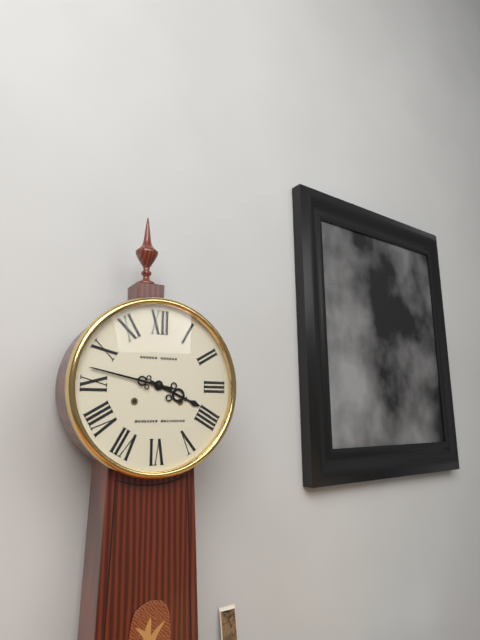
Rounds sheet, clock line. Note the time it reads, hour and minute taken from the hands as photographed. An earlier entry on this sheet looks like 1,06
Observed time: 3,47
